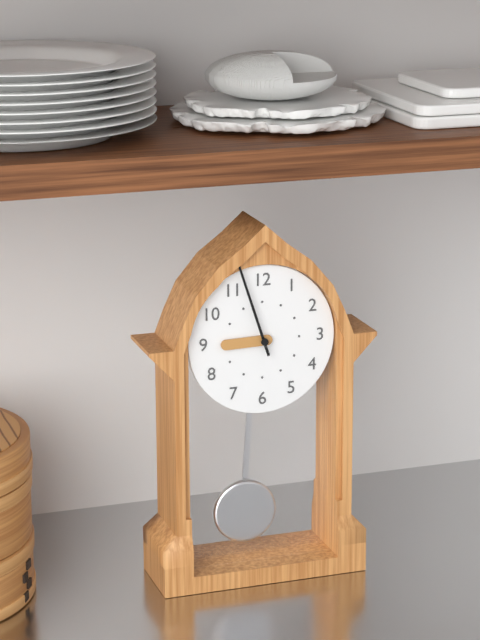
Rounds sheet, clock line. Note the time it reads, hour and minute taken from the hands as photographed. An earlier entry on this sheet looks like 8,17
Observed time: 8,57
